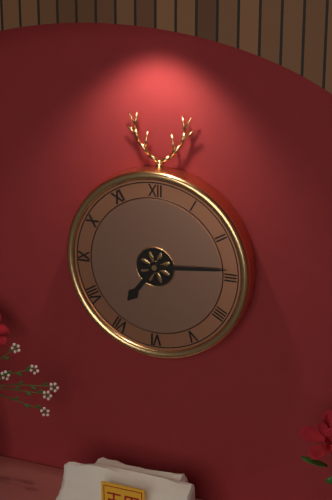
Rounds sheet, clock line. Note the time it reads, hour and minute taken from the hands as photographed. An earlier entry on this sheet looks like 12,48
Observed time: 7,14
